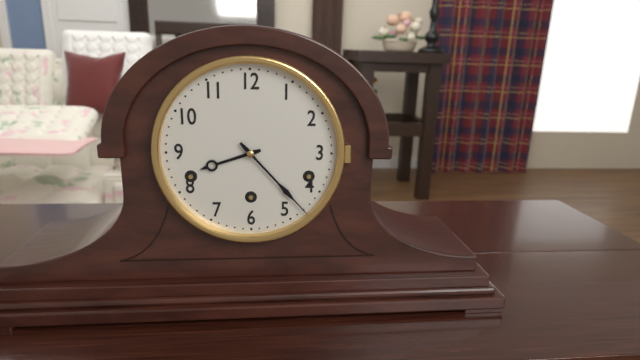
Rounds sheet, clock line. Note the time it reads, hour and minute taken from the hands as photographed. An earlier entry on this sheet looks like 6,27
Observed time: 8,23
